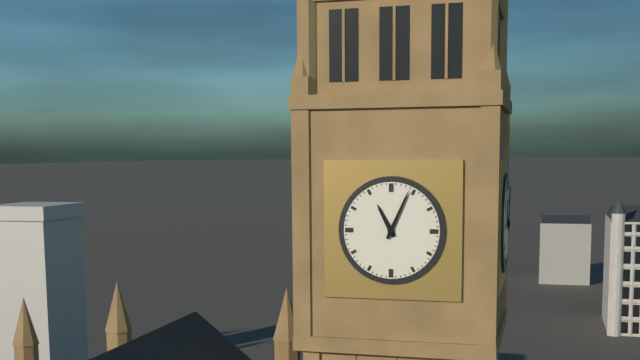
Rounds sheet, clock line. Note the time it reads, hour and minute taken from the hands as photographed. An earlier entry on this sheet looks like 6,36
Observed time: 11,04
